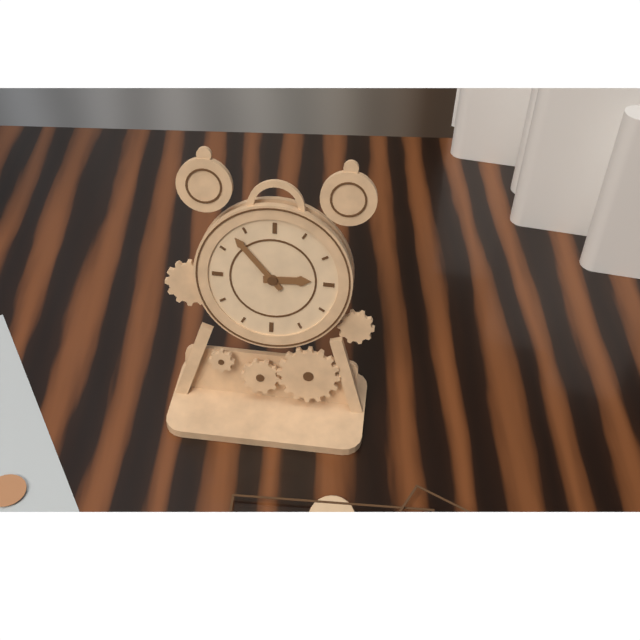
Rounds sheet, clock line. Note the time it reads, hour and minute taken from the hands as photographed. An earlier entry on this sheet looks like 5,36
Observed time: 2,53
